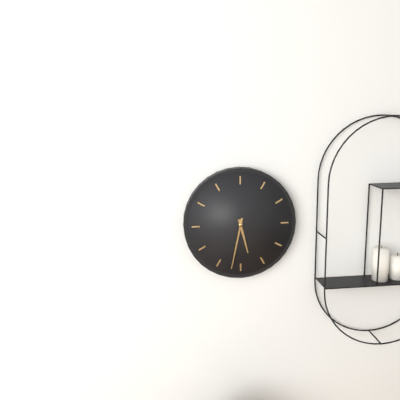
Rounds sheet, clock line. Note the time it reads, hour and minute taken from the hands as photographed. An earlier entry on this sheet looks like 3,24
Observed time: 5,32
